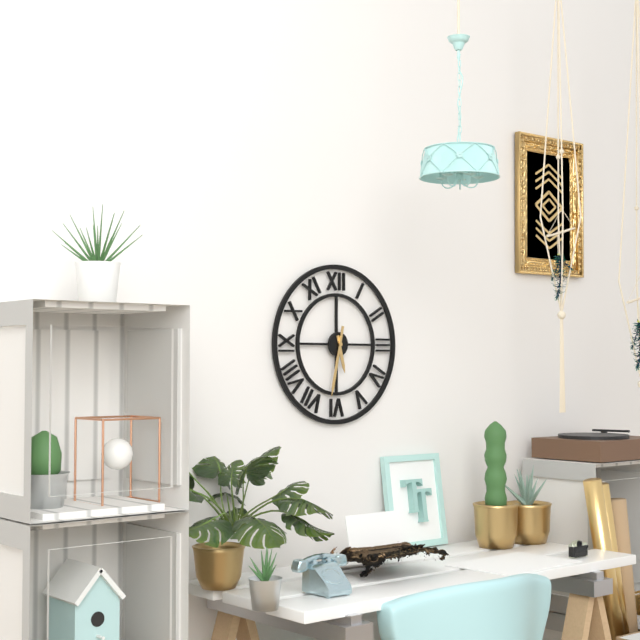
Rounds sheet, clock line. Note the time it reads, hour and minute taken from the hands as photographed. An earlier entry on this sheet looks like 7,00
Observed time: 5,32
